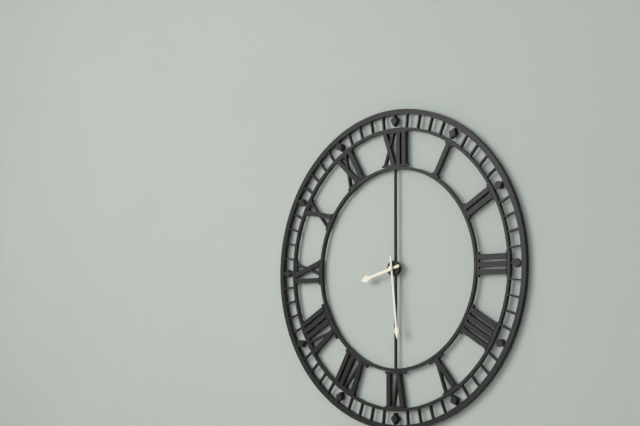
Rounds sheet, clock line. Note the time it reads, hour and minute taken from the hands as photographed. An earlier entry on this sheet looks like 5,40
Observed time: 8,29
